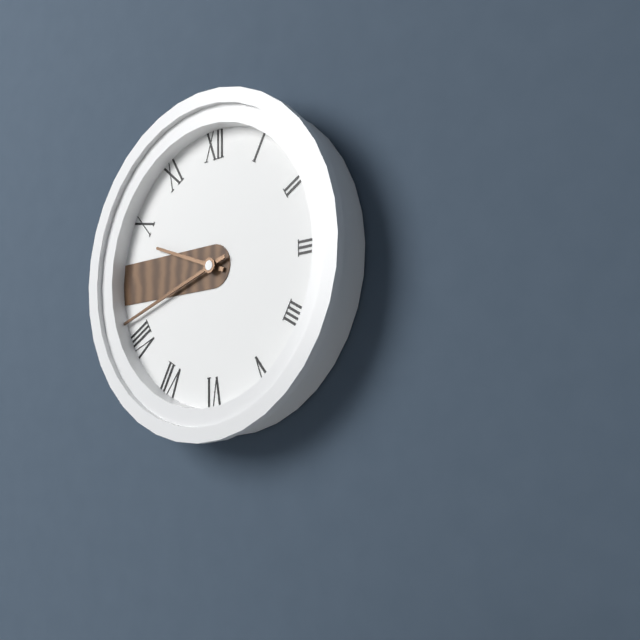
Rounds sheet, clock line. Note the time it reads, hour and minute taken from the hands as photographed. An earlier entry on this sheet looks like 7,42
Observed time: 9,42
